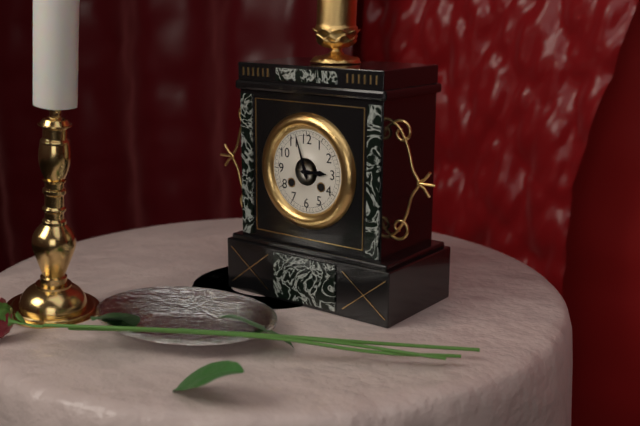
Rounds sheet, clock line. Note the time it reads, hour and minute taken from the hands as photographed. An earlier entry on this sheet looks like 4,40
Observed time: 2,57
